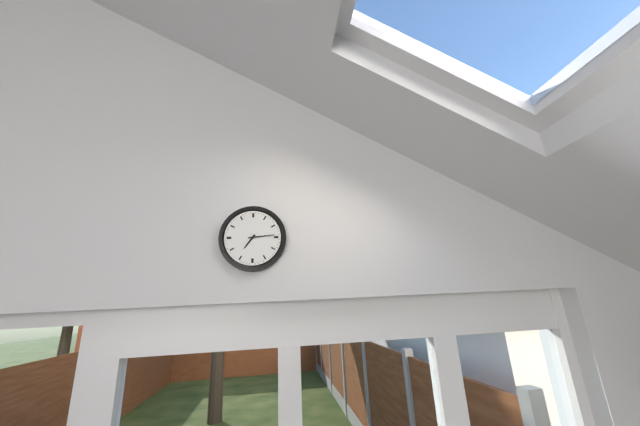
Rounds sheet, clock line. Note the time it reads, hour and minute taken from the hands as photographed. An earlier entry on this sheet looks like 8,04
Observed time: 7,14
